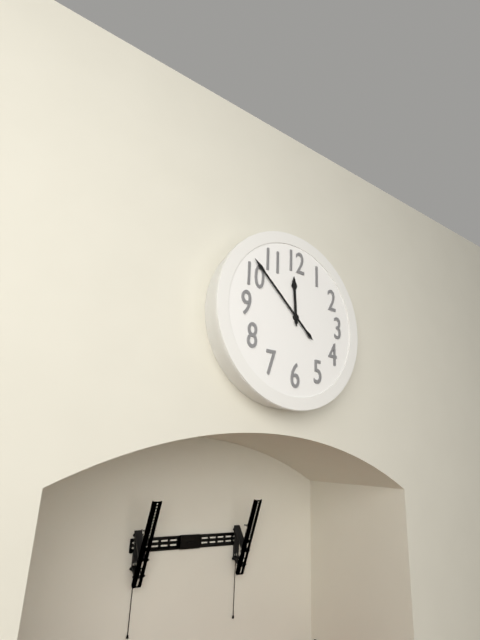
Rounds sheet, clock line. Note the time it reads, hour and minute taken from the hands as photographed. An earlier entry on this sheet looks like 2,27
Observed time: 11,52
